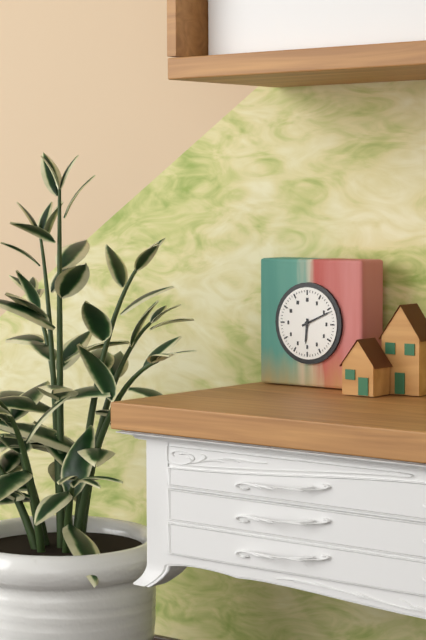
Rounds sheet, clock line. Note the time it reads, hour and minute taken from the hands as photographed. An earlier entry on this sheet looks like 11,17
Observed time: 6,11
